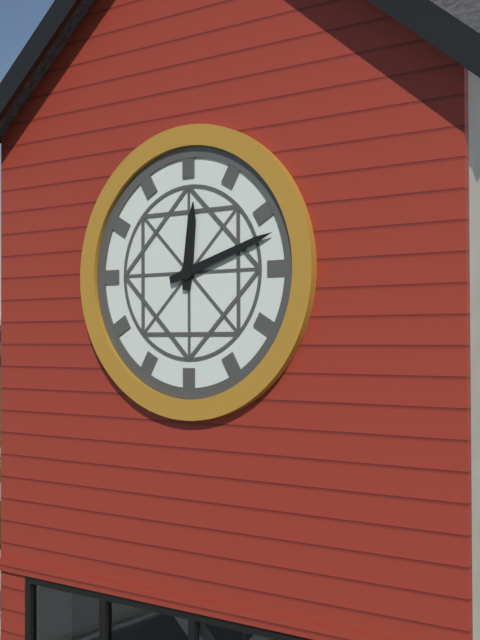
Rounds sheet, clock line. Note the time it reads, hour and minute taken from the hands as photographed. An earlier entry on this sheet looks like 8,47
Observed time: 12,12
